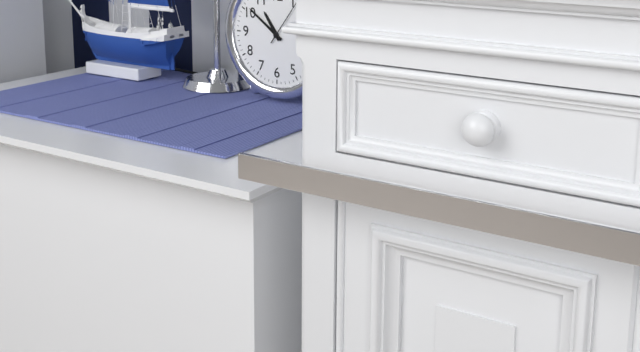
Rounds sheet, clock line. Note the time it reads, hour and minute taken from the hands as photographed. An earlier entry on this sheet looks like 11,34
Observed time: 10,51
